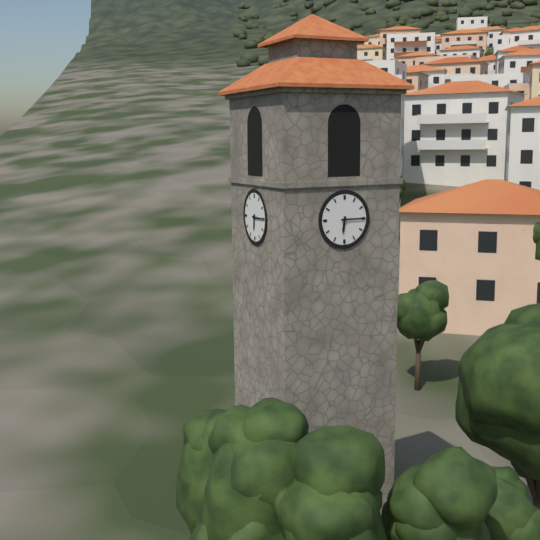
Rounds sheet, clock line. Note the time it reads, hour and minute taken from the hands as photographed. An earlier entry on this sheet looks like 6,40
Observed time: 6,15
